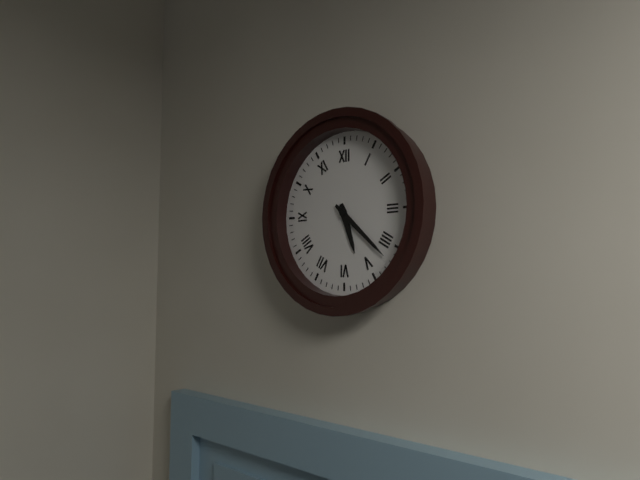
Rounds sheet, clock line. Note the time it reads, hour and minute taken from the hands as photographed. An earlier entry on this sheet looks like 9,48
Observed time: 5,22
